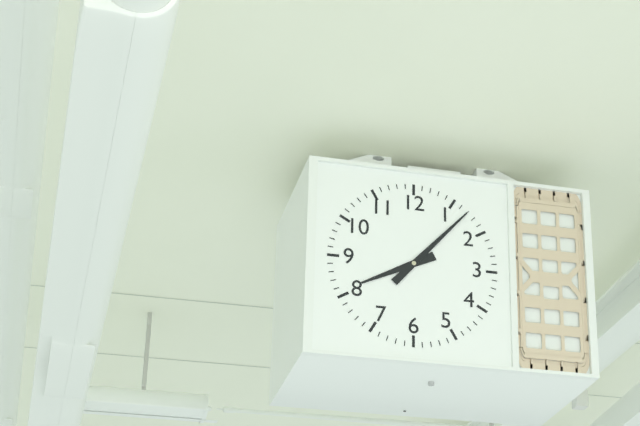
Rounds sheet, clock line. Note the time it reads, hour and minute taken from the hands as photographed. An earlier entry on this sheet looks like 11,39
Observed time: 8,07
